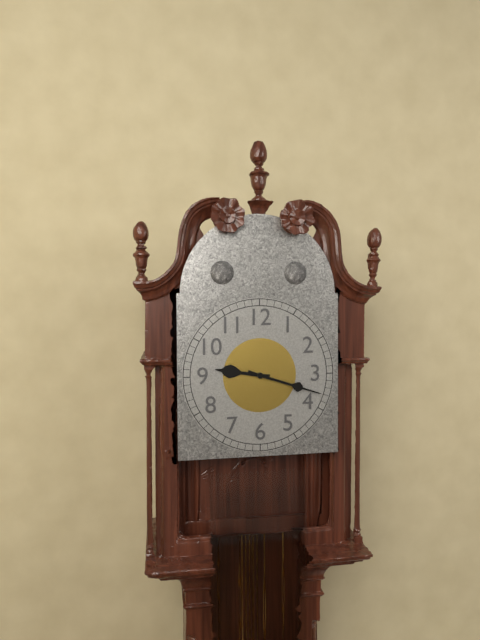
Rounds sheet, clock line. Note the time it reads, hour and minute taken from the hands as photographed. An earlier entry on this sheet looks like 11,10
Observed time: 9,18
